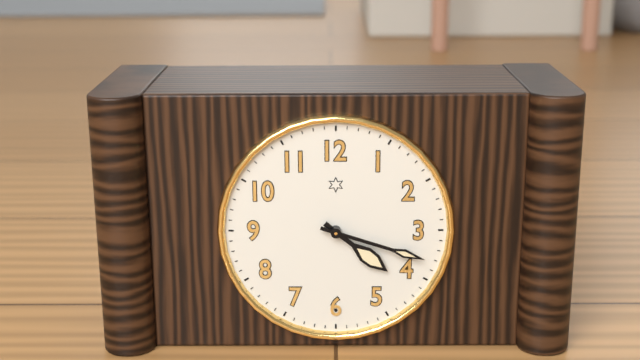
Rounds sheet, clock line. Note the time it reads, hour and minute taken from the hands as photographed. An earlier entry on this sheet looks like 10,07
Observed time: 4,18
